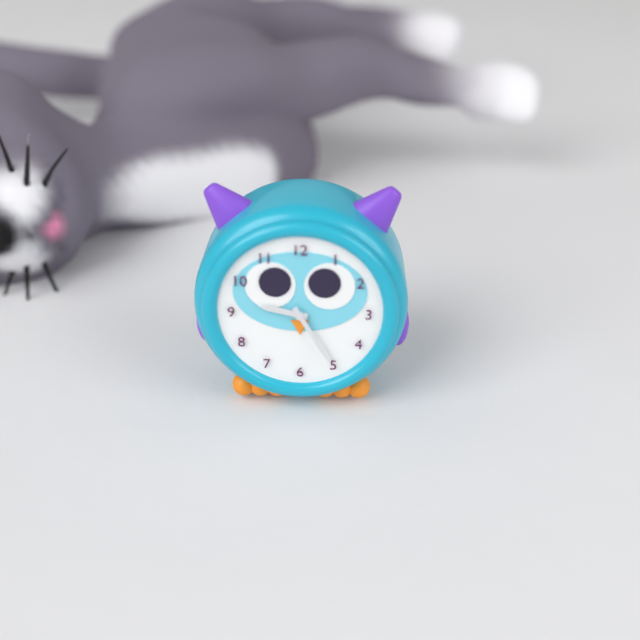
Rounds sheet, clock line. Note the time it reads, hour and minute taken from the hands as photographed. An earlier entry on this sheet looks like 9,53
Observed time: 9,25
